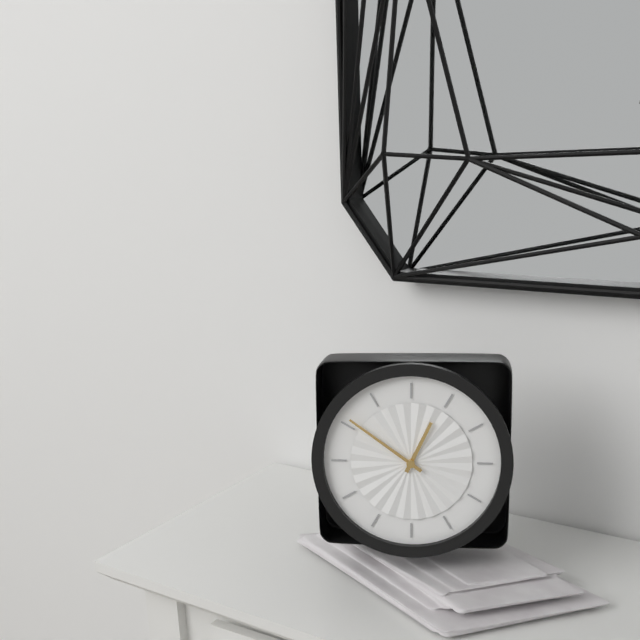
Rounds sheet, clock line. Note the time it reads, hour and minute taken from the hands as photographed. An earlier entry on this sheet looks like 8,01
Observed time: 12,51
